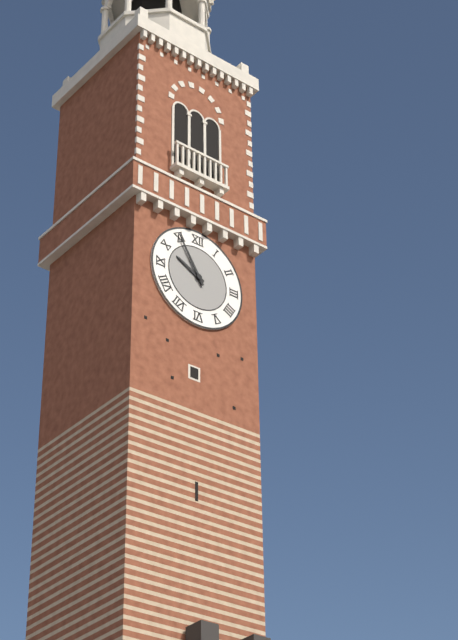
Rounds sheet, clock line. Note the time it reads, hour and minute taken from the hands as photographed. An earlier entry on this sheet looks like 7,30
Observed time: 9,55
